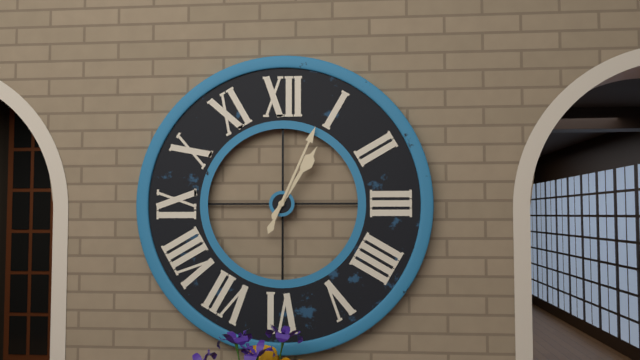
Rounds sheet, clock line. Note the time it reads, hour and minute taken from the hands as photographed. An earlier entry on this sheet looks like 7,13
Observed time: 1,04
